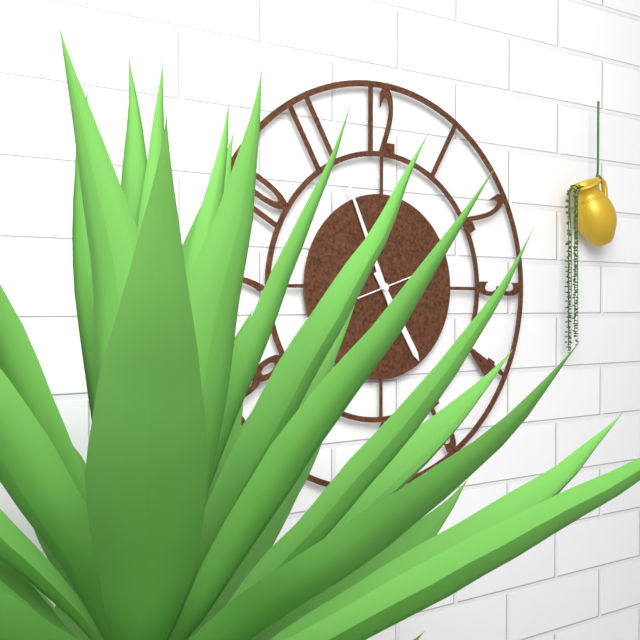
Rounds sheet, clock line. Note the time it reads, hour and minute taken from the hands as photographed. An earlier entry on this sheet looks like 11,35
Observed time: 4,56
